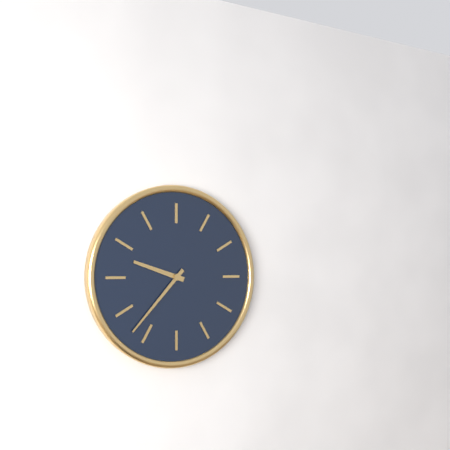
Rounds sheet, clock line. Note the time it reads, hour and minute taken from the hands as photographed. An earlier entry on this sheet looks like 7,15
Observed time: 9,37
